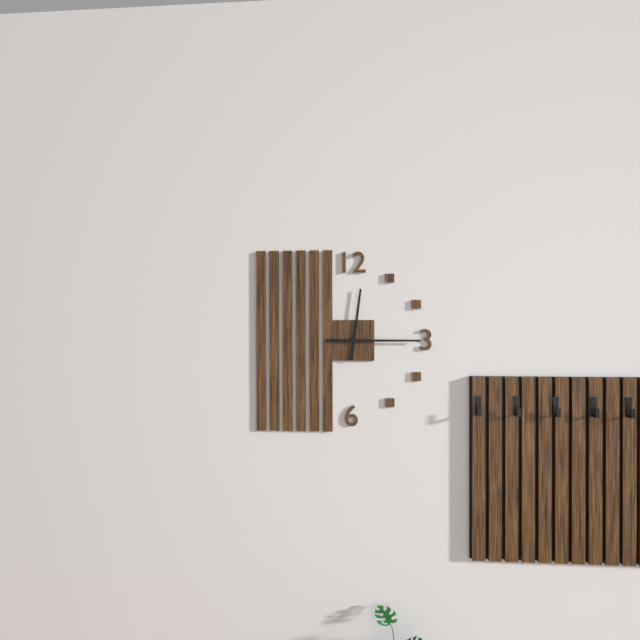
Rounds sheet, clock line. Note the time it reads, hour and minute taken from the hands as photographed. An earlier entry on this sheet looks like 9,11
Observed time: 12,15
